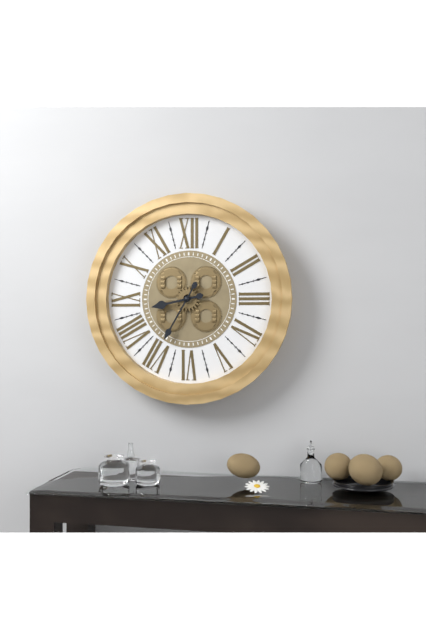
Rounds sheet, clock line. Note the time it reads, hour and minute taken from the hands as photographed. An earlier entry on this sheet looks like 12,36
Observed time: 8,35
